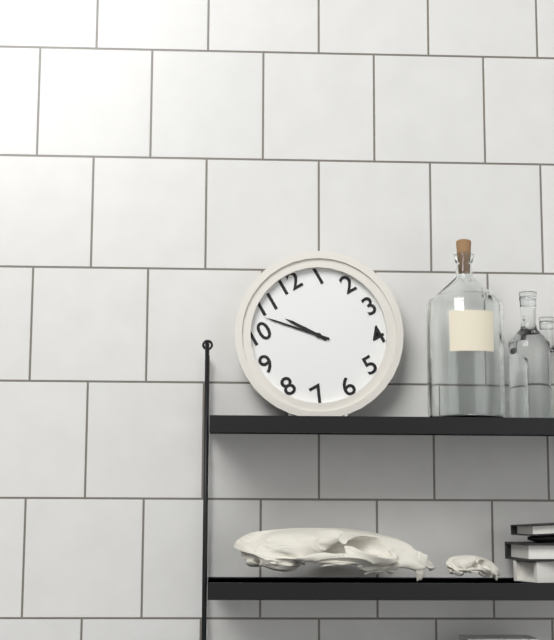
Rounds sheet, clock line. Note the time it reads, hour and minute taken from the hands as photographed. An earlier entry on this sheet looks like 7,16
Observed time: 10,53
